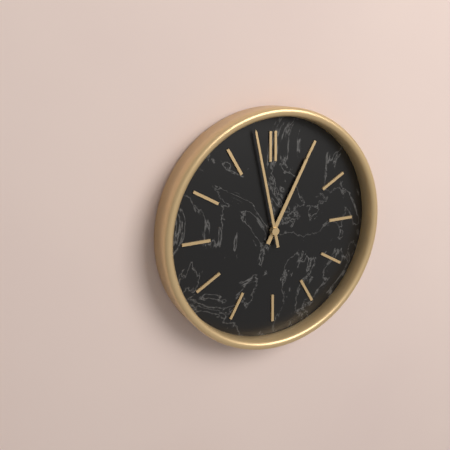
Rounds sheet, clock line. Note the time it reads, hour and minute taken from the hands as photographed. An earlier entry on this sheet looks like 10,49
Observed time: 12,58
